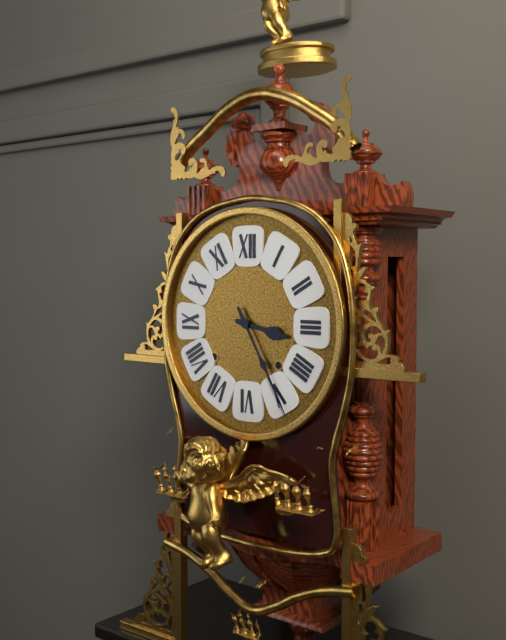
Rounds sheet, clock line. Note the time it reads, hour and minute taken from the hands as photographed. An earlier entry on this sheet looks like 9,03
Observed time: 3,25
